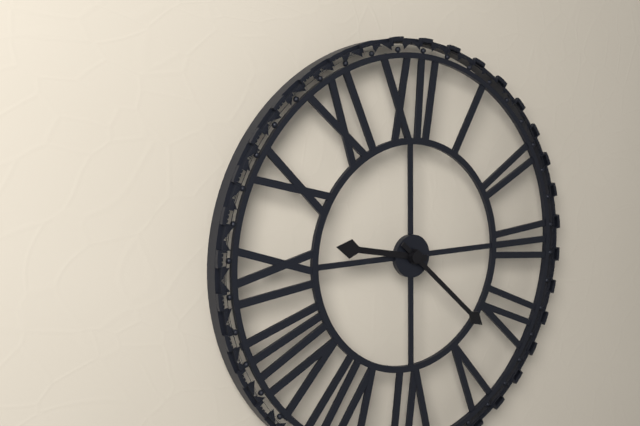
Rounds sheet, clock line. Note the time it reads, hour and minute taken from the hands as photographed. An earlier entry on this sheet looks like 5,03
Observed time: 9,22
